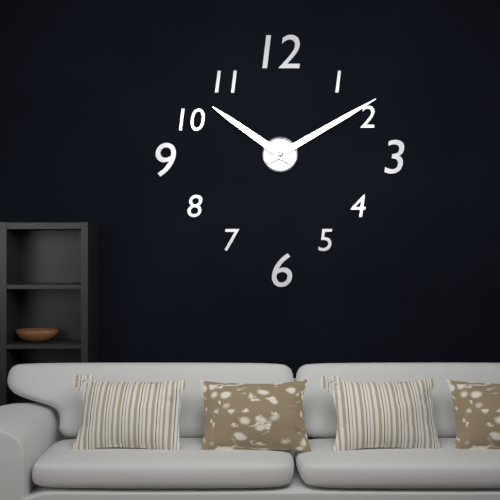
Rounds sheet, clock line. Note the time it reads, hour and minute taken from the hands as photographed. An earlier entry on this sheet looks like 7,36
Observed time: 10,10
